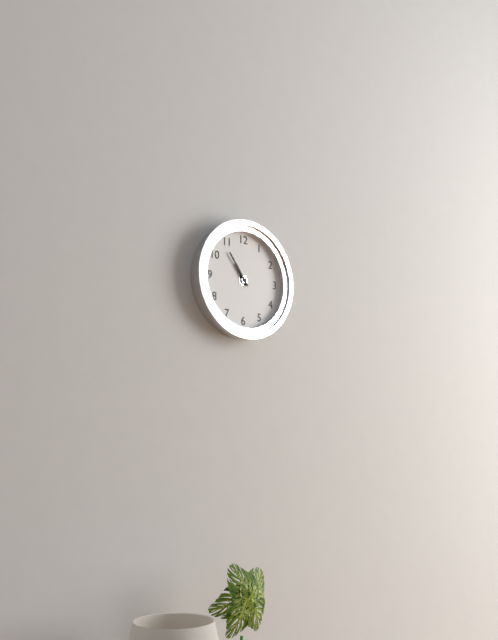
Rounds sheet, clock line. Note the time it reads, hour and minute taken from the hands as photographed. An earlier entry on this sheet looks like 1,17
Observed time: 10,54
